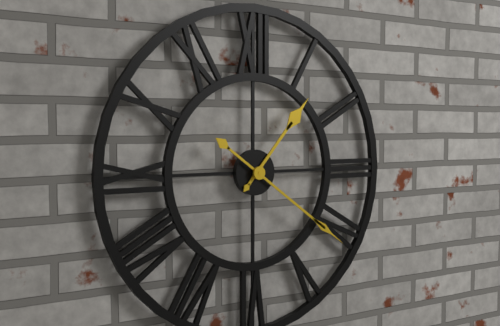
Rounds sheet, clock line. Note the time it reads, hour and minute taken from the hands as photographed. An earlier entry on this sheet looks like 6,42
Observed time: 1,21
